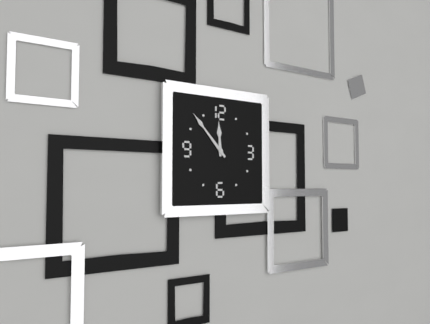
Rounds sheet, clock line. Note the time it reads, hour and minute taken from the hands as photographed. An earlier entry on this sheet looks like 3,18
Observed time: 11,53
